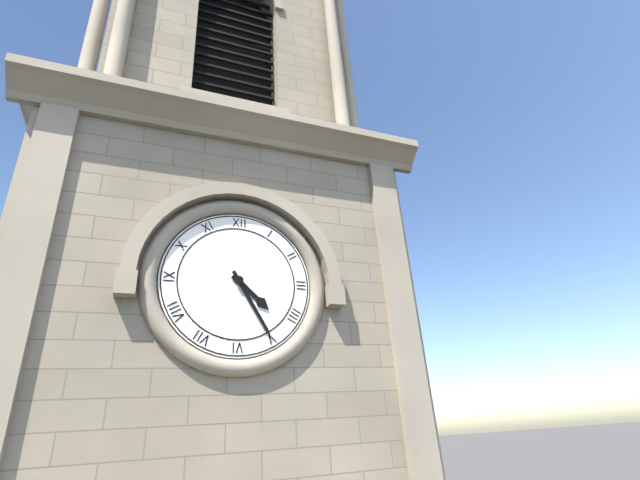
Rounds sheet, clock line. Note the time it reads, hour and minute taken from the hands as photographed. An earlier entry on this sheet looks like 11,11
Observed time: 4,25
